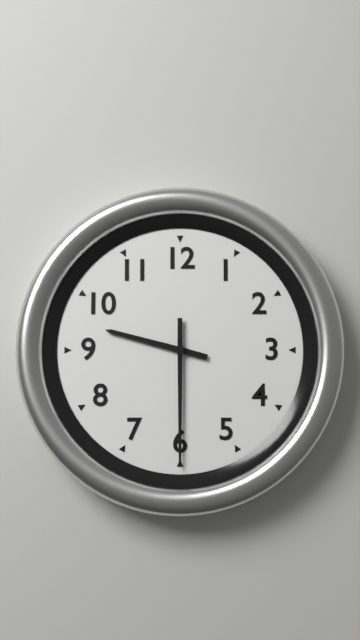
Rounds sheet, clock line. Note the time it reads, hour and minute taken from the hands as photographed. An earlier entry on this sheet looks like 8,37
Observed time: 9,30
